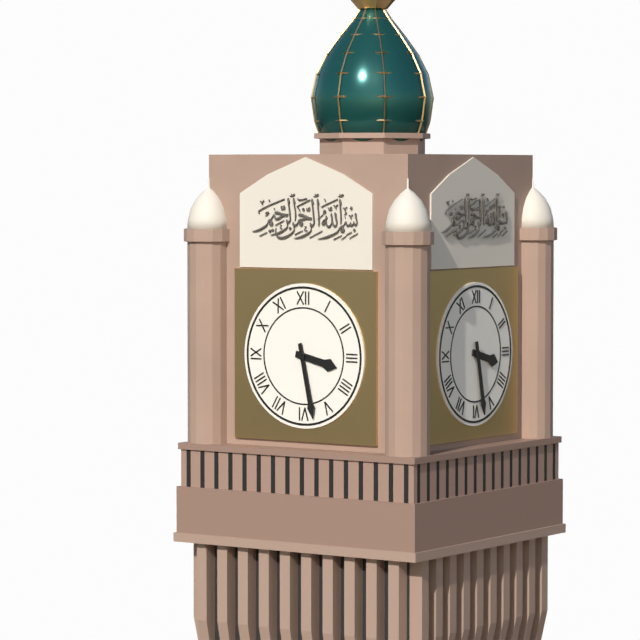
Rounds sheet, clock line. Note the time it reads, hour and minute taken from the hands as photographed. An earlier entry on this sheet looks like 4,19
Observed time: 3,28
